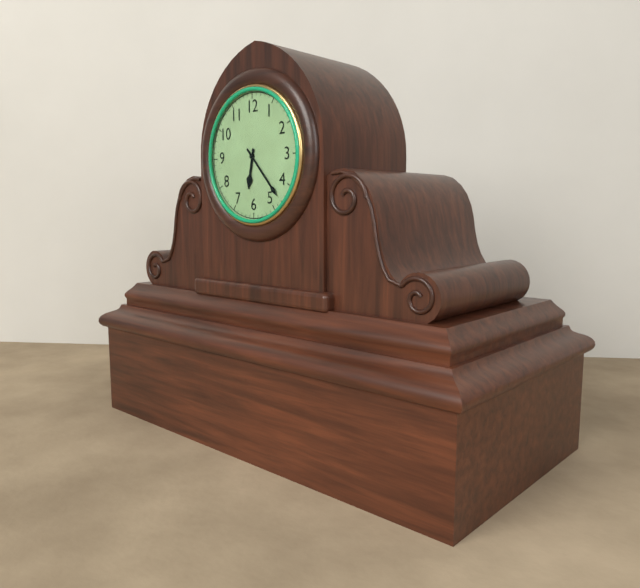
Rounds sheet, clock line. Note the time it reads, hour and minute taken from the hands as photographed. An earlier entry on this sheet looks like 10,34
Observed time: 6,23
